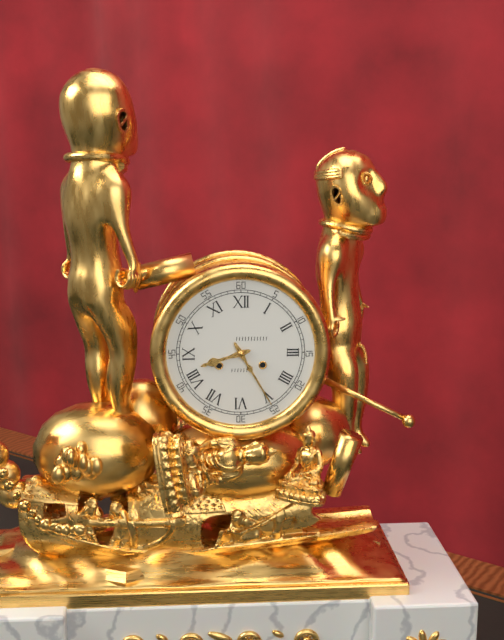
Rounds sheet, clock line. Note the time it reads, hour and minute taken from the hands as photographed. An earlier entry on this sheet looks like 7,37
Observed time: 8,25
